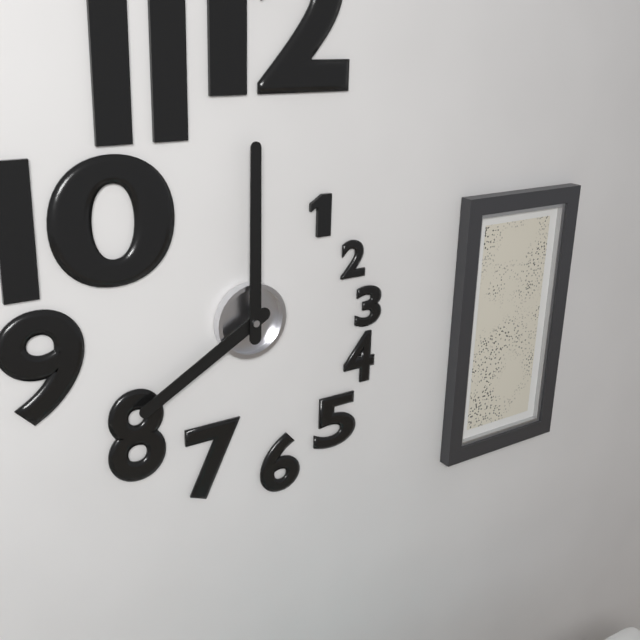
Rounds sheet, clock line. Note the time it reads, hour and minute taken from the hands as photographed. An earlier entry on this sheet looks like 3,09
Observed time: 8,00
